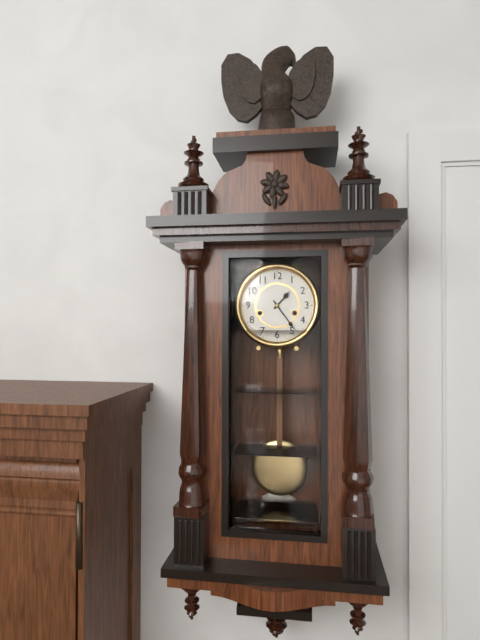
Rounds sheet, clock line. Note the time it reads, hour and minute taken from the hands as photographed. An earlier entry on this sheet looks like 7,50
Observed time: 1,24
